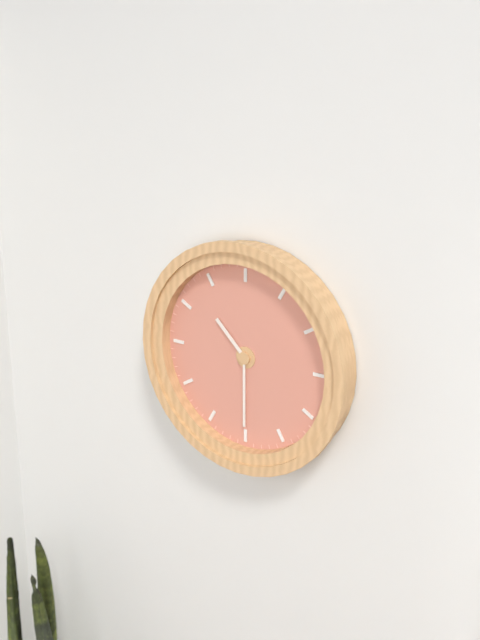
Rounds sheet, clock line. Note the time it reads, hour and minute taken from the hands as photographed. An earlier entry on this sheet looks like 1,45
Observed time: 10,30
